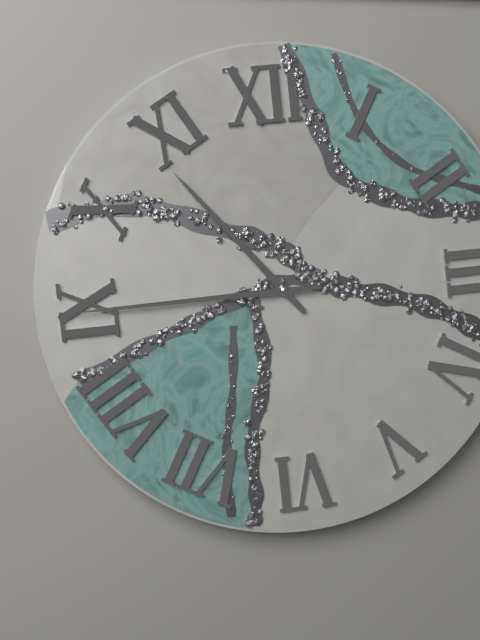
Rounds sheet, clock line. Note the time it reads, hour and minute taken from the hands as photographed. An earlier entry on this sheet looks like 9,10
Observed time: 10,45
